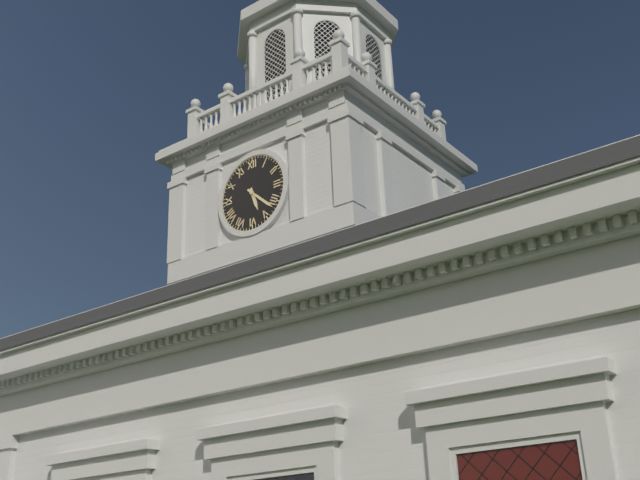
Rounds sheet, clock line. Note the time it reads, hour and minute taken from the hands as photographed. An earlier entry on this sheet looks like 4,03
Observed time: 5,22
